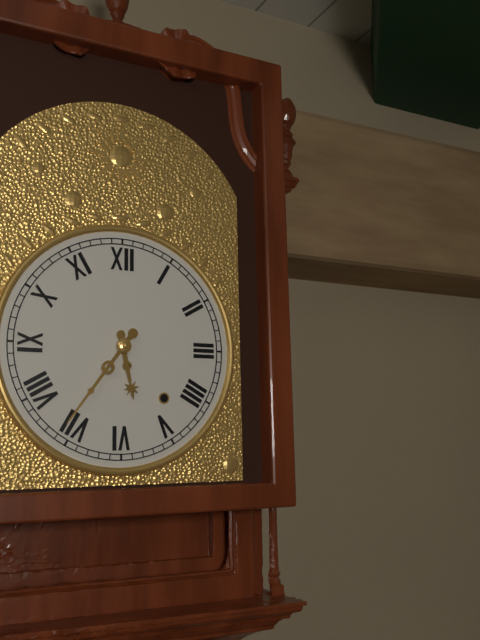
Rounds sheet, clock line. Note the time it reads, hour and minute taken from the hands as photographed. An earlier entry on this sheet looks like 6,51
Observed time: 5,36
